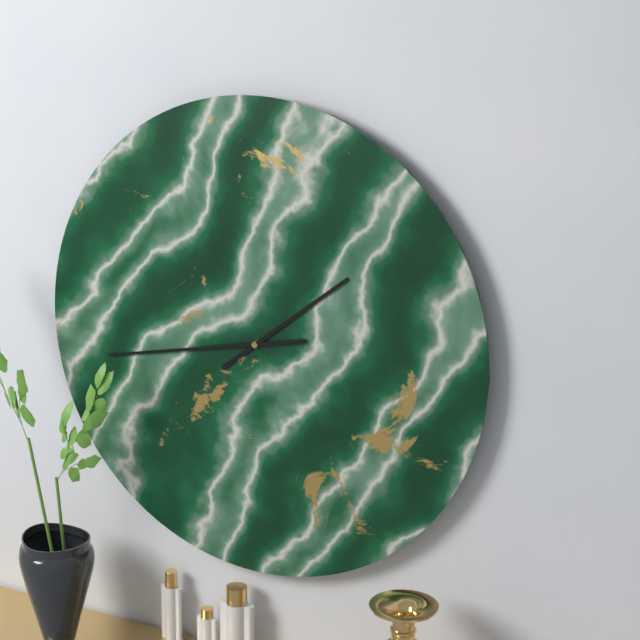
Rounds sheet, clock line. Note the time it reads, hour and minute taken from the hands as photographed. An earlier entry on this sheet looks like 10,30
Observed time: 1,43
